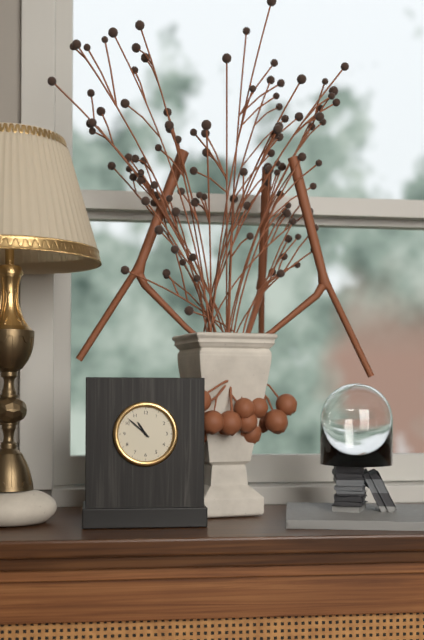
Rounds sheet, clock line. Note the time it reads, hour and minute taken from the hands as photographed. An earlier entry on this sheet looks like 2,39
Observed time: 10,52
